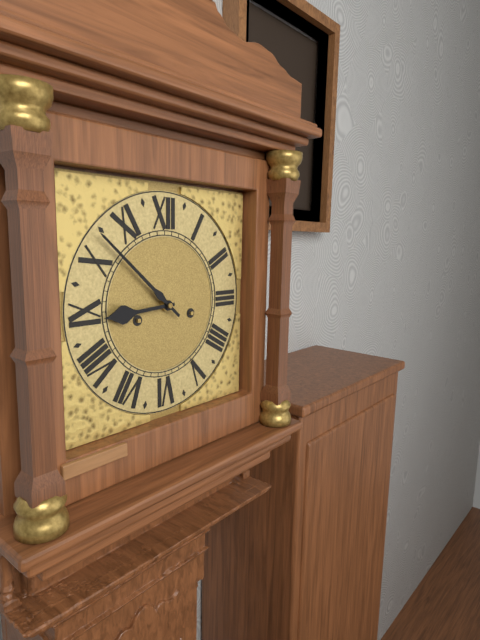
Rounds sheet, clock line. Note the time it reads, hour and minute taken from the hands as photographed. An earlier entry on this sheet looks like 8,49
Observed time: 8,52
